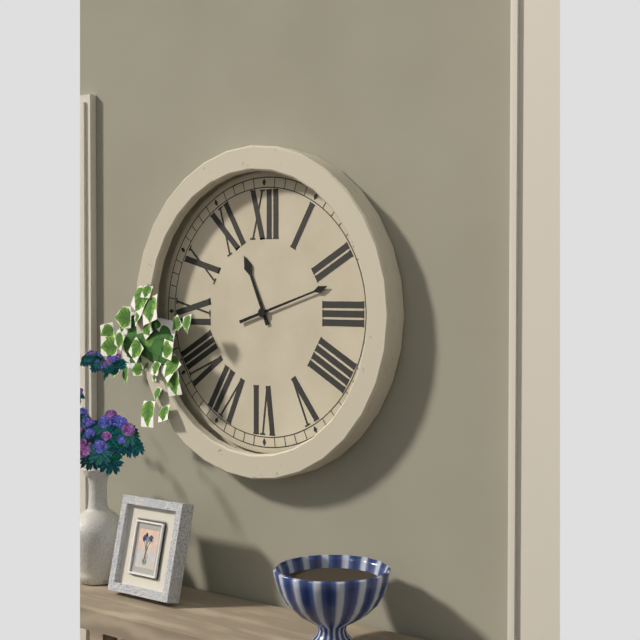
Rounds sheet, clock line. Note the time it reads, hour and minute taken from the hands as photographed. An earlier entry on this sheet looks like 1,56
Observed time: 11,12
